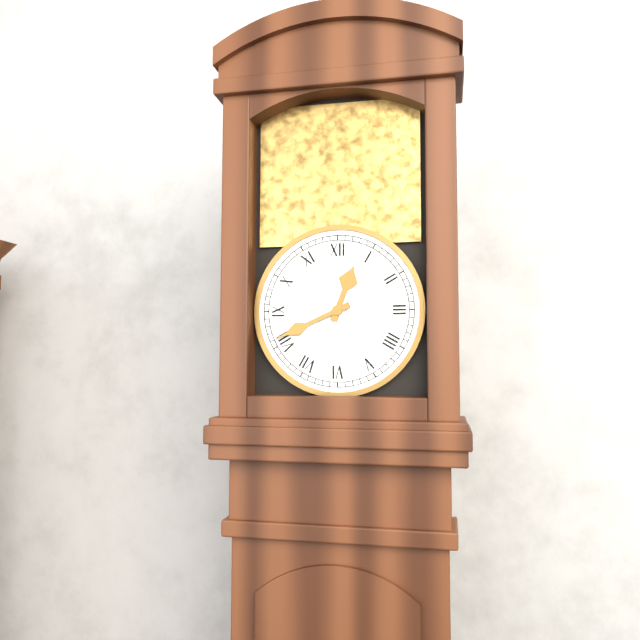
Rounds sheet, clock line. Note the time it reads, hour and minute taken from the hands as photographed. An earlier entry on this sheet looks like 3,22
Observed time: 12,41
